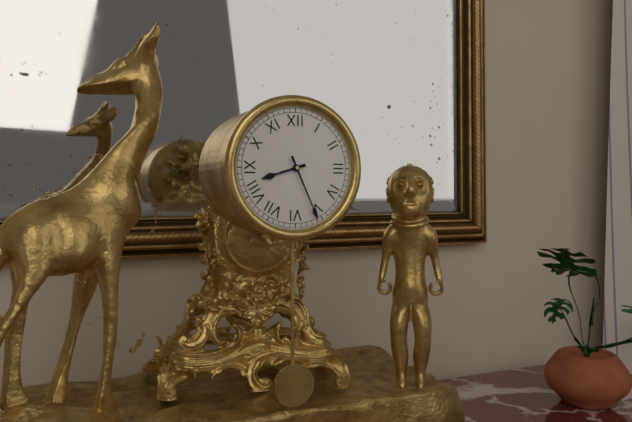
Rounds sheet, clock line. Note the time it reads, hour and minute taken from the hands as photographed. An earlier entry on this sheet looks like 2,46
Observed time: 8,26
